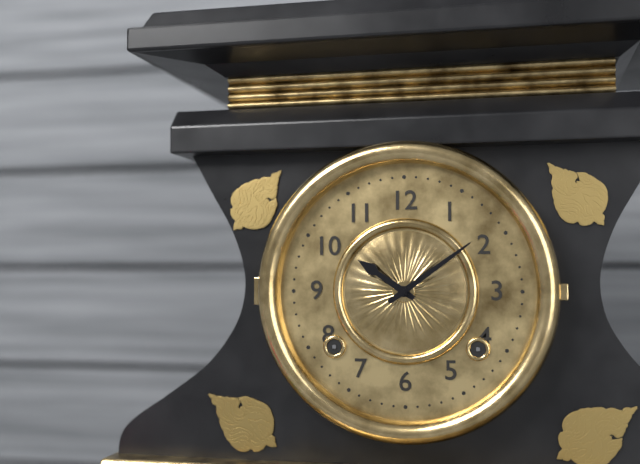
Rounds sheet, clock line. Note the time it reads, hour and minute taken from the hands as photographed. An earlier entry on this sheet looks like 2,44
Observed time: 10,09
